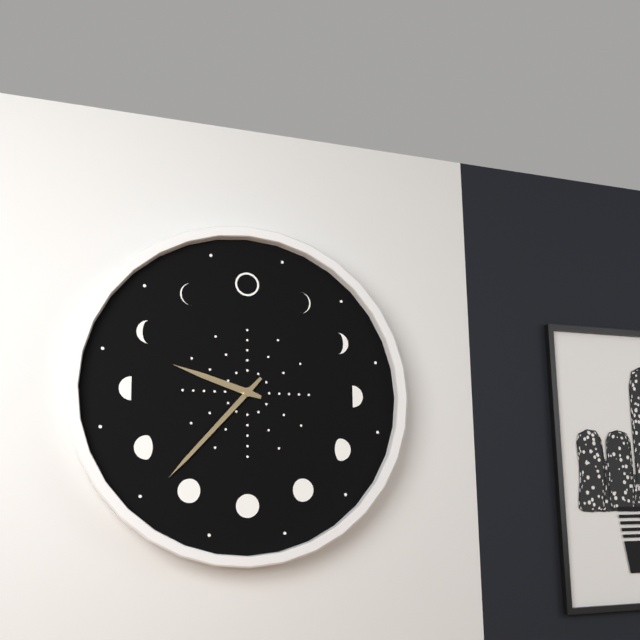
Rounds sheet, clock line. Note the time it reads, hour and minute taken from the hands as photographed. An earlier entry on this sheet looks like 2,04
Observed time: 9,37
